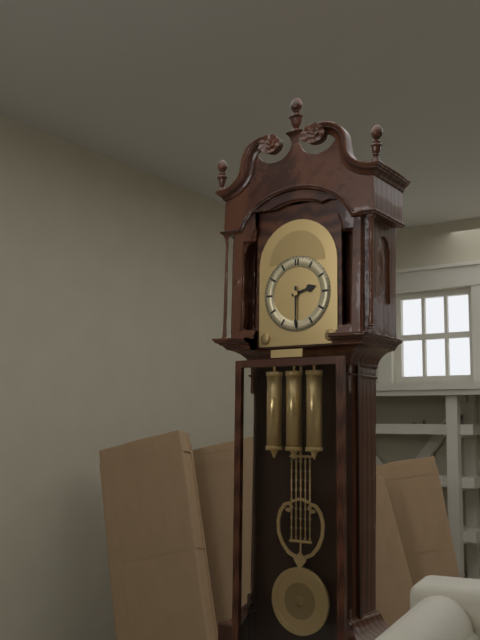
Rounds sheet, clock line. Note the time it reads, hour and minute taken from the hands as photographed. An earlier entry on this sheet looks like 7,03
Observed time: 2,30
